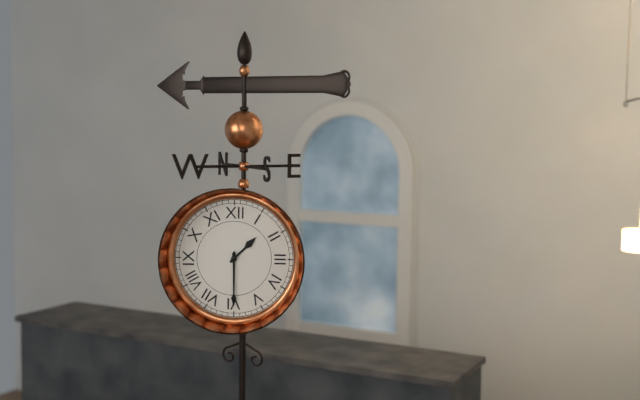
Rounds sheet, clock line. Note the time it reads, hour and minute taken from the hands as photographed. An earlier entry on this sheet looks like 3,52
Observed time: 1,30
